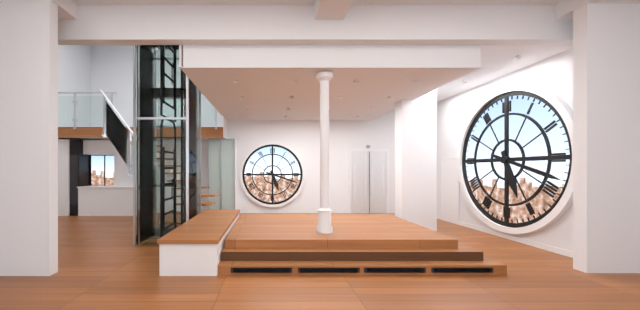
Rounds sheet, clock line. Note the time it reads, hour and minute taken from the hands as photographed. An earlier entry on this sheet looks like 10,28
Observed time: 5,18
